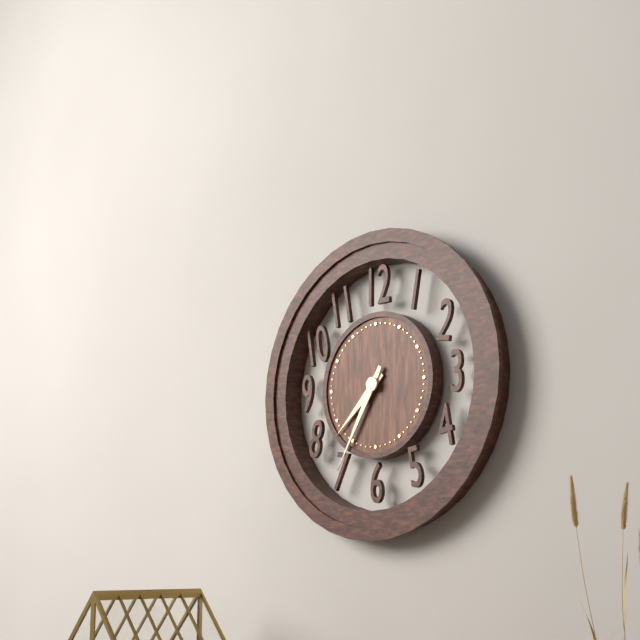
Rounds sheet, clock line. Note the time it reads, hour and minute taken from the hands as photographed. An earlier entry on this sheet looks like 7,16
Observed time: 7,35
